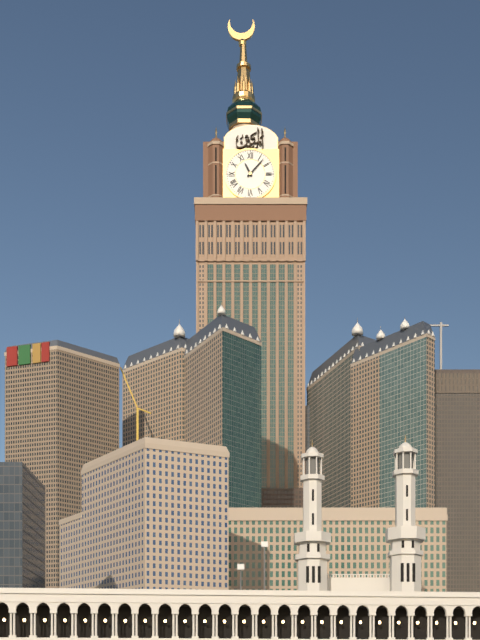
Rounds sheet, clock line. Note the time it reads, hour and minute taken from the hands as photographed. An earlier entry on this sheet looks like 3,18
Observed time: 11,07
